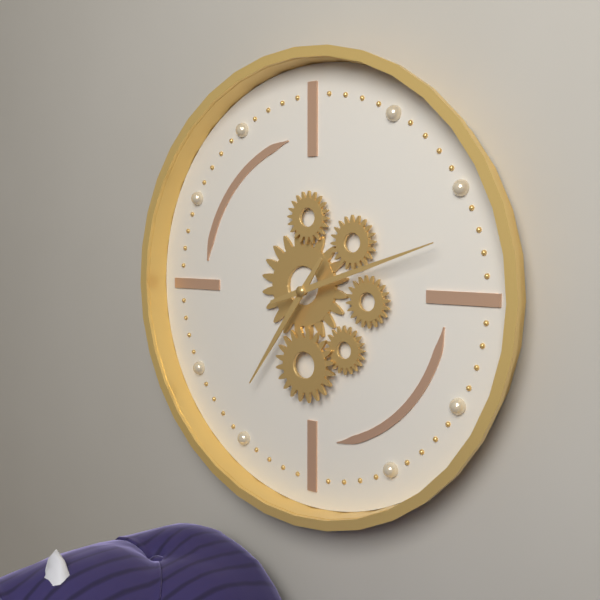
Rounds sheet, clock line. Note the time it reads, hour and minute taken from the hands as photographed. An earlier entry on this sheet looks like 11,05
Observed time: 7,12
